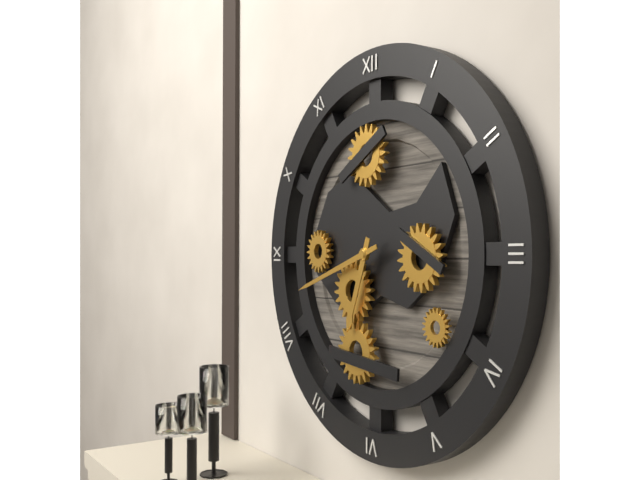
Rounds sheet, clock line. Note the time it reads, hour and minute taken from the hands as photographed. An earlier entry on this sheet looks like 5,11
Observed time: 6,42
